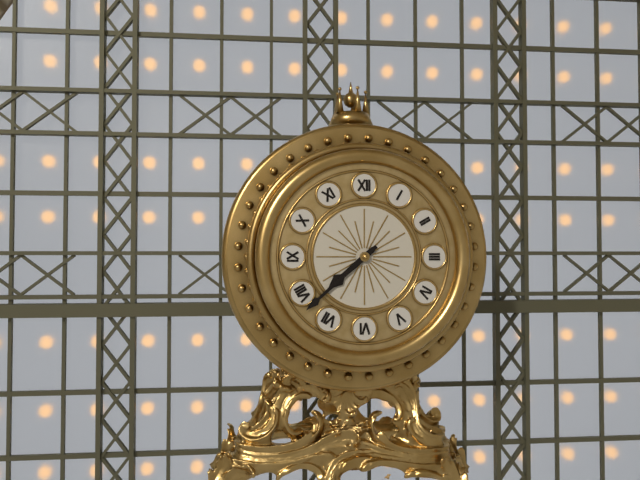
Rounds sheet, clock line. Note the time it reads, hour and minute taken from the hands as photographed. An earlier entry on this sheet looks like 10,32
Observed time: 7,38
